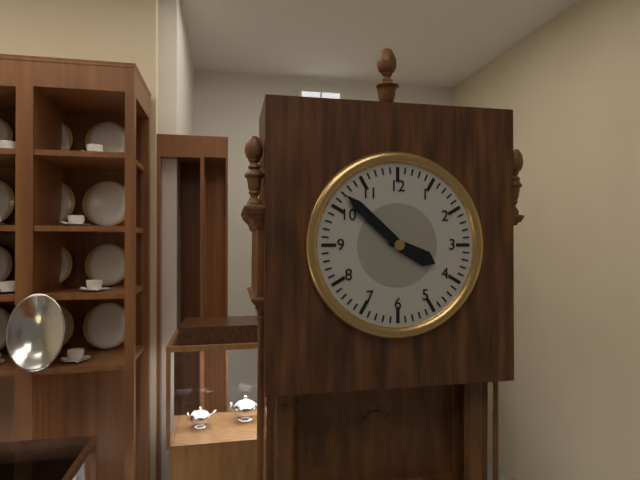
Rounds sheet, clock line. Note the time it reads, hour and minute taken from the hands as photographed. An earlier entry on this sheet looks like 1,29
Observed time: 3,52
